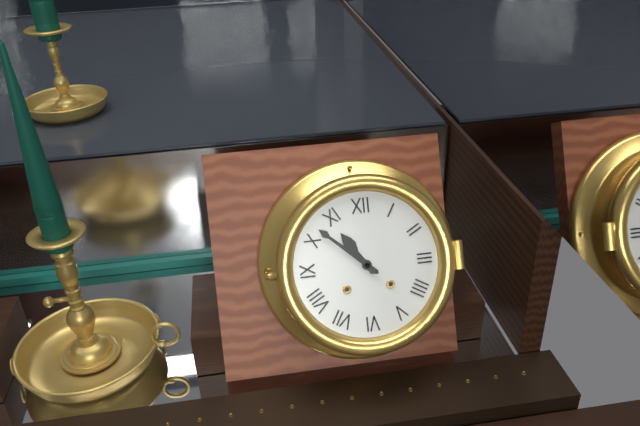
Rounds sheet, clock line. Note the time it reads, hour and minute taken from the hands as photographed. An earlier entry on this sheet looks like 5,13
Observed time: 10,52
